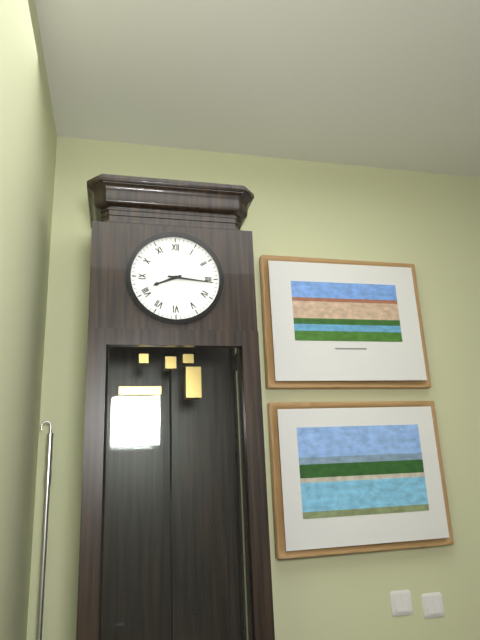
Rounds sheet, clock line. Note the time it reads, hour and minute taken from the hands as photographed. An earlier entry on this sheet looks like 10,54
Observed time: 8,16
